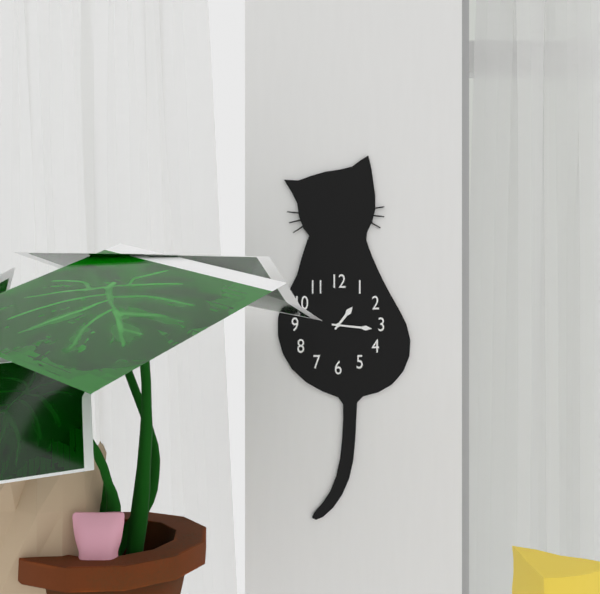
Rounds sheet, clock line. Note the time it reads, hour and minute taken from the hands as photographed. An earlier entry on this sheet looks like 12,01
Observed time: 1,16
